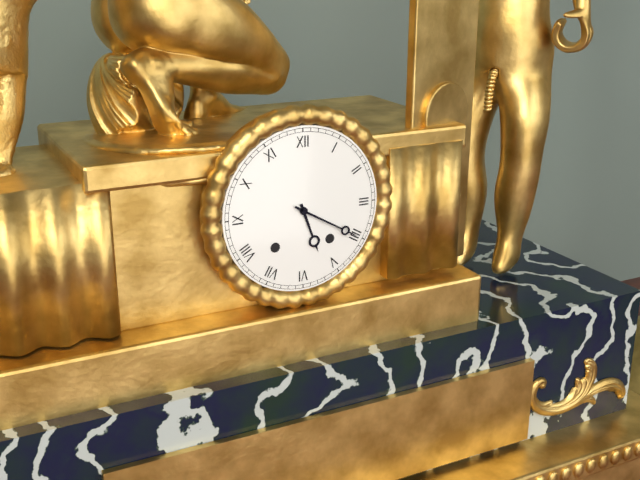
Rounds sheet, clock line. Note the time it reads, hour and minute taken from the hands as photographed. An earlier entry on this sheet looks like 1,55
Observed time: 5,20
